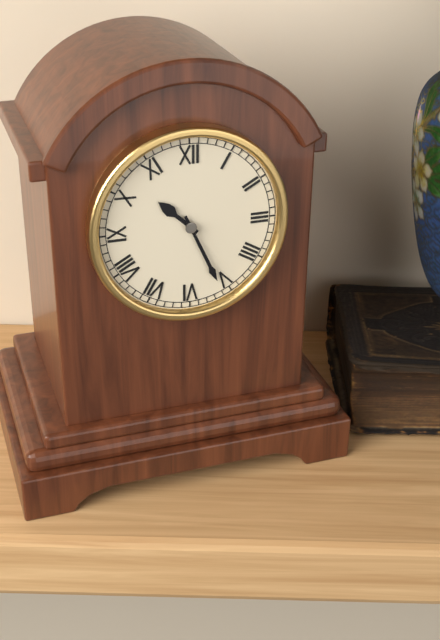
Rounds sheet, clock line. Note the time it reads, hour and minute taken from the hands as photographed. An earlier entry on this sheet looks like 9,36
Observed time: 10,26
